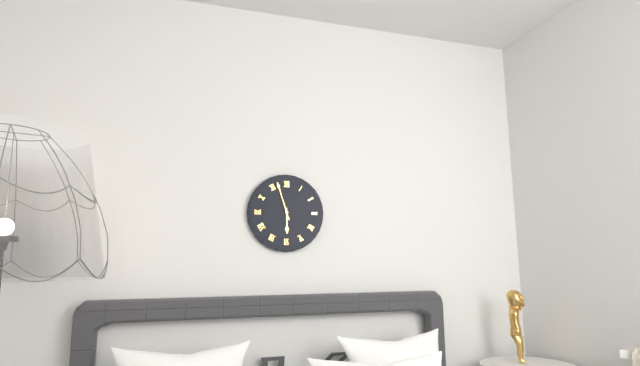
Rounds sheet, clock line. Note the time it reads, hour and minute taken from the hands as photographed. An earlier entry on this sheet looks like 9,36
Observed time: 5,57
